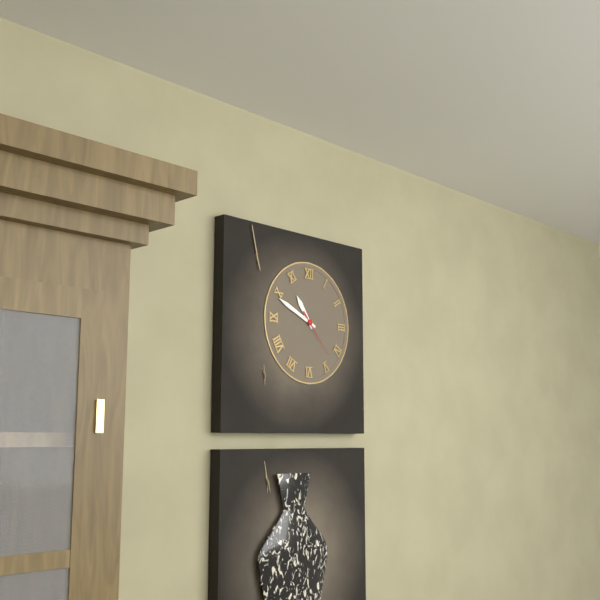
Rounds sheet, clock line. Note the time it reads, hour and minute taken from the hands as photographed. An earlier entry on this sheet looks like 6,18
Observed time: 10,49
